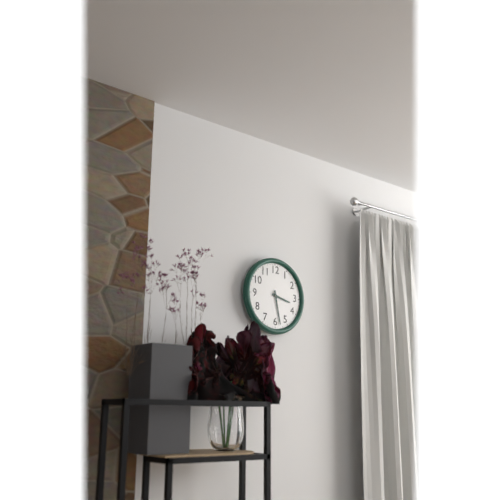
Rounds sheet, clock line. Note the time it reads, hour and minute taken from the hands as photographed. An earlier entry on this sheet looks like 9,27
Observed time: 3,28
